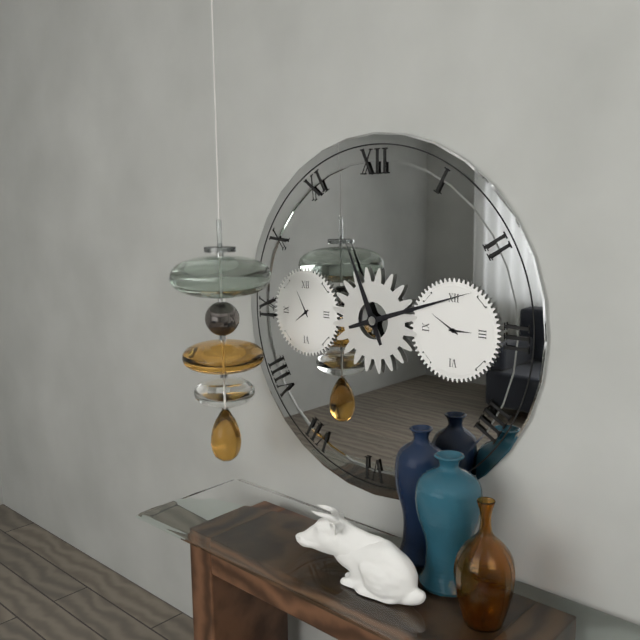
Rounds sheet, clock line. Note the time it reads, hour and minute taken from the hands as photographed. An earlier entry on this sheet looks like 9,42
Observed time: 11,12
